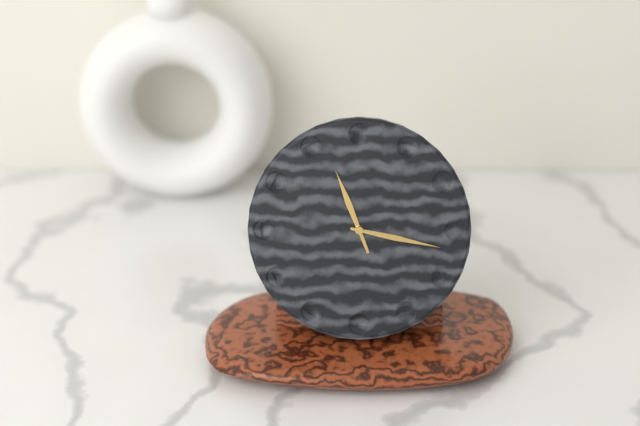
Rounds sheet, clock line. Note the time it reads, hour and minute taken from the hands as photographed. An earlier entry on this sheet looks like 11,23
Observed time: 11,17
